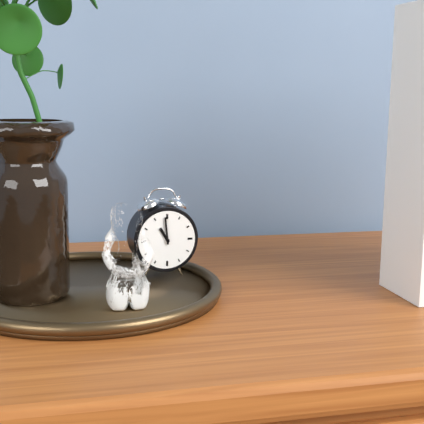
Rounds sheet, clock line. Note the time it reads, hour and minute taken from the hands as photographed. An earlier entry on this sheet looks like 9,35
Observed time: 10,59
